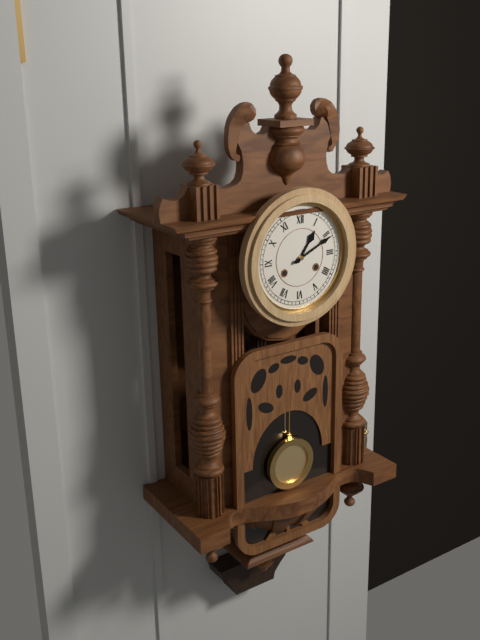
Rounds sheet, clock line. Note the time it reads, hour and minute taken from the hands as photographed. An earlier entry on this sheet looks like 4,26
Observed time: 1,11
